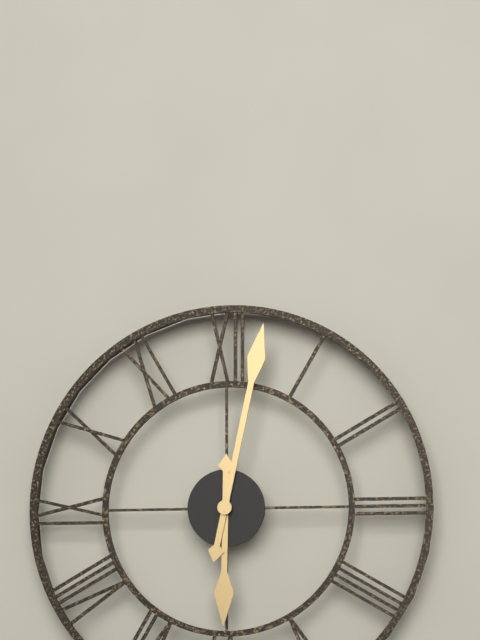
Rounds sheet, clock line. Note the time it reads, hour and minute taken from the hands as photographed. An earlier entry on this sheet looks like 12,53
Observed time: 6,02
